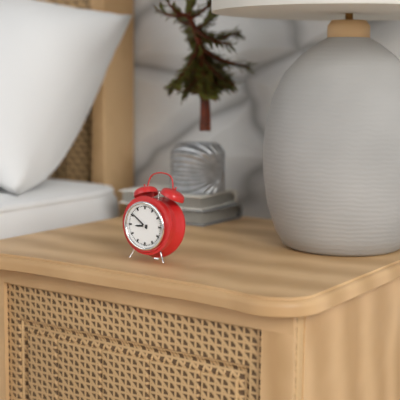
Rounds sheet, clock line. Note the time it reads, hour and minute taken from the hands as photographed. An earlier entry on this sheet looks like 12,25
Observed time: 8,51
